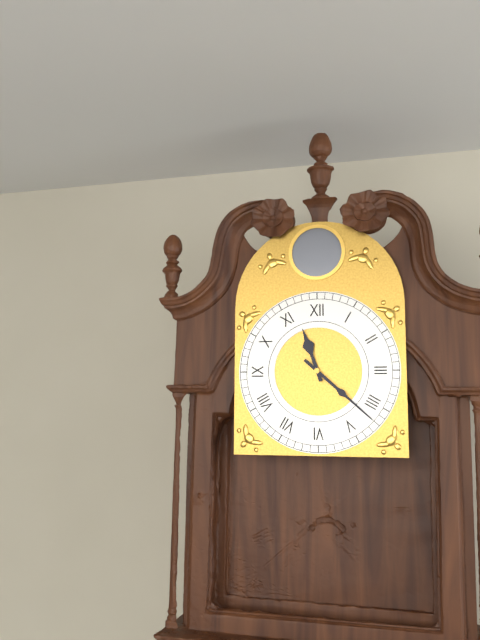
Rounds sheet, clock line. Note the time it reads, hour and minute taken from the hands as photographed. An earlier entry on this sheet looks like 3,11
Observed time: 11,22
